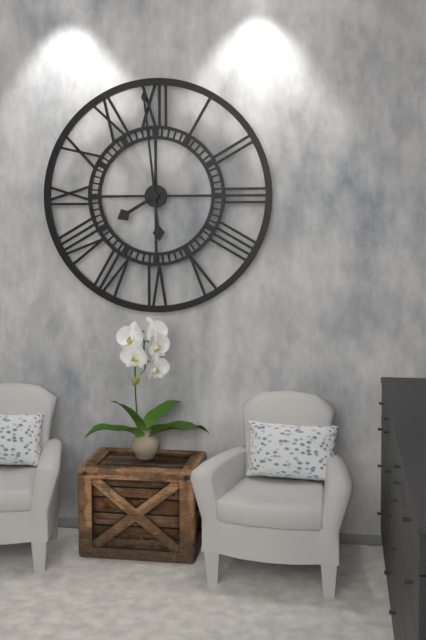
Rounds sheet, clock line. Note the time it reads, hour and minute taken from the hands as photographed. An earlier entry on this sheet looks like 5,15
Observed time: 7,59
